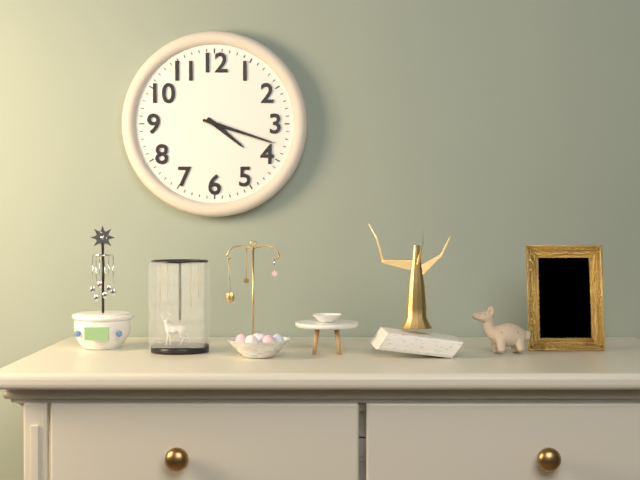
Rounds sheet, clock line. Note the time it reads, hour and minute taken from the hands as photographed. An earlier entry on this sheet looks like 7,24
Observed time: 4,18
